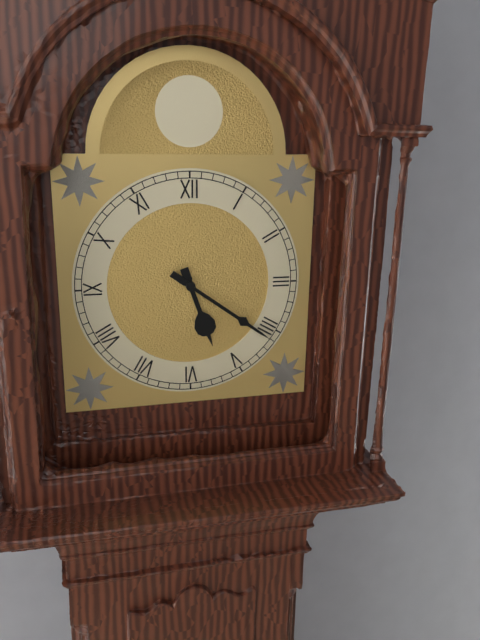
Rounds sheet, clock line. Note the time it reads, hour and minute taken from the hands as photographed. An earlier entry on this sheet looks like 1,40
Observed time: 5,21
